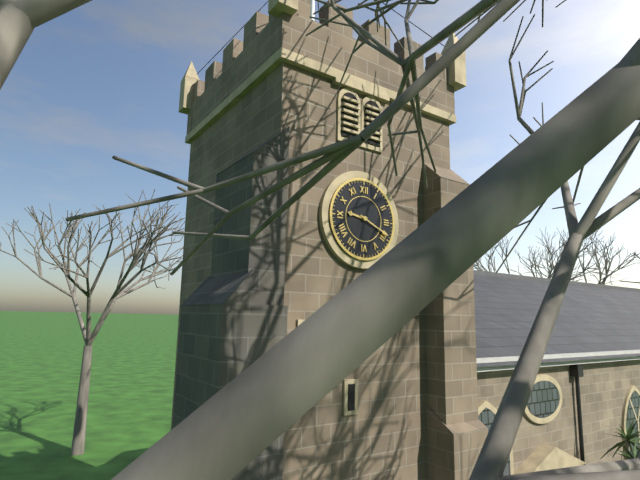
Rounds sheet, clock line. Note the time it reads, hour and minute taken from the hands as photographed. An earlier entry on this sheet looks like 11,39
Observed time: 9,19
